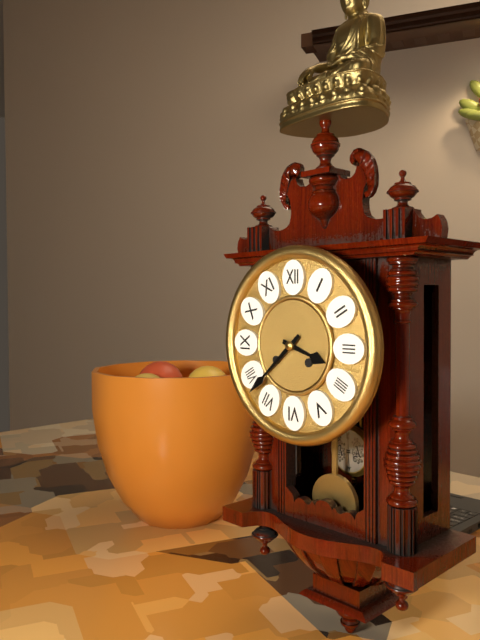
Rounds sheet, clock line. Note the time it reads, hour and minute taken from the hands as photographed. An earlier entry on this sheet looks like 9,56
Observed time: 3,38
